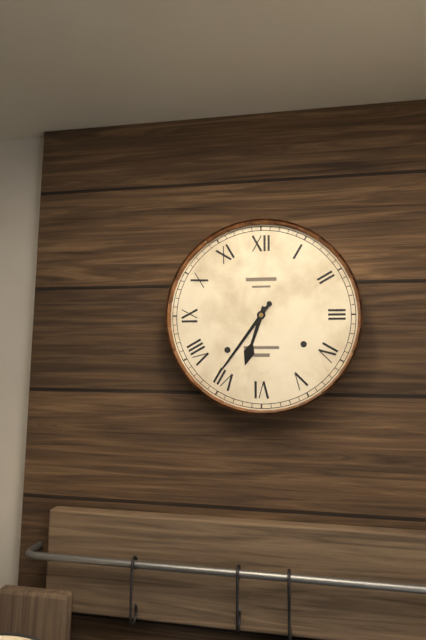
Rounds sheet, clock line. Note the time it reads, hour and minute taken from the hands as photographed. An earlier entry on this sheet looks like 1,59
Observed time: 6,36
